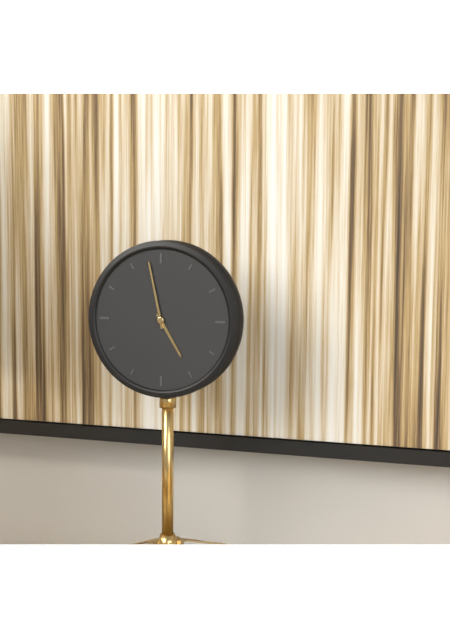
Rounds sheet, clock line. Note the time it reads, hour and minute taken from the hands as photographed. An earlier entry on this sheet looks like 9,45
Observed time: 4,58
